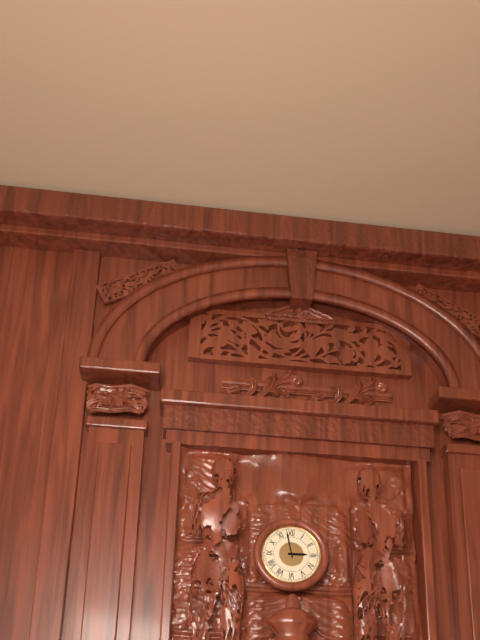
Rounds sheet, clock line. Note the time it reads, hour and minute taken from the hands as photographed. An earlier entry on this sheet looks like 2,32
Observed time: 2,58
